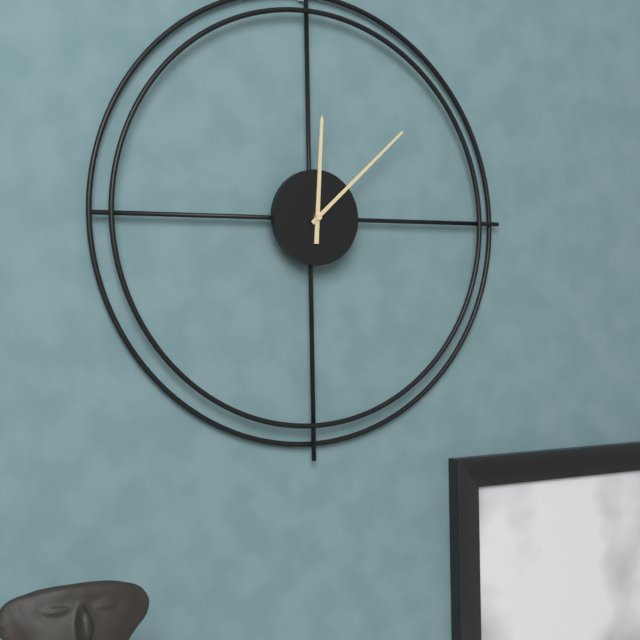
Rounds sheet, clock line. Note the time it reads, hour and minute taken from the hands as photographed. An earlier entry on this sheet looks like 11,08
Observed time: 12,08
